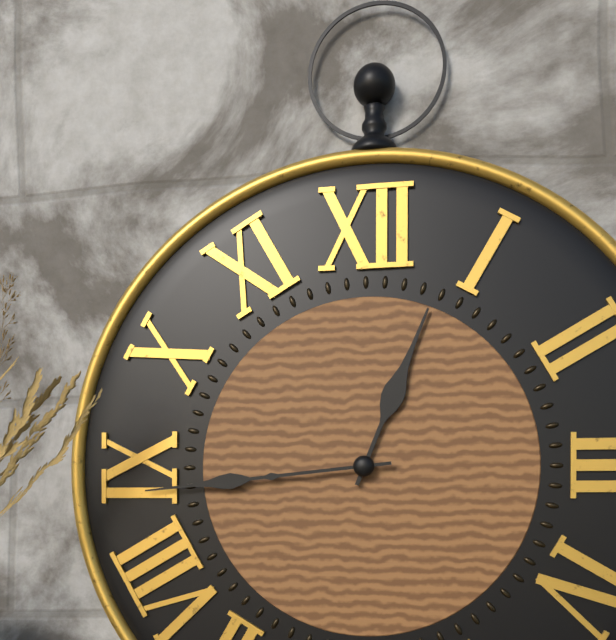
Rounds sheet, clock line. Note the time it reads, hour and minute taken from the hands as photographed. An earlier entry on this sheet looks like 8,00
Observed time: 12,44
